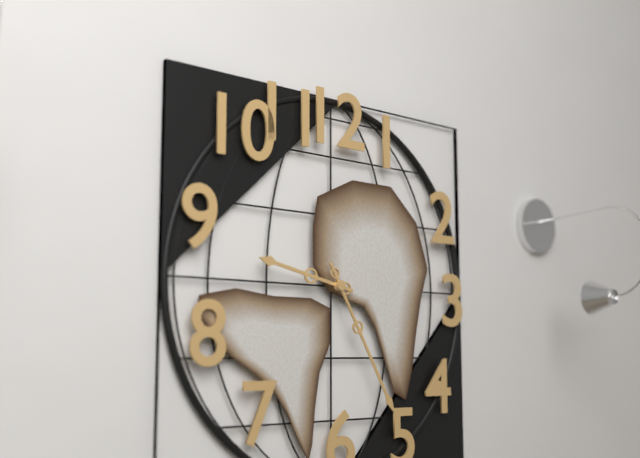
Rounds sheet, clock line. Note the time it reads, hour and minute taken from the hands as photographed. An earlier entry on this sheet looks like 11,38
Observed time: 9,25
